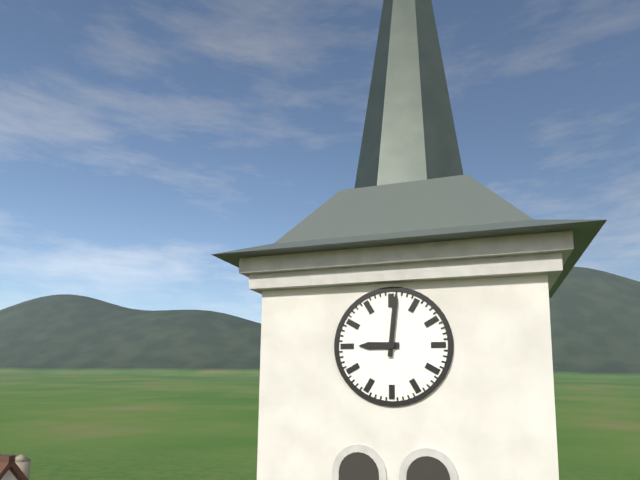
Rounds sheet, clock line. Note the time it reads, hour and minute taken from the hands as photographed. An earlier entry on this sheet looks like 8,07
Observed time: 9,01
